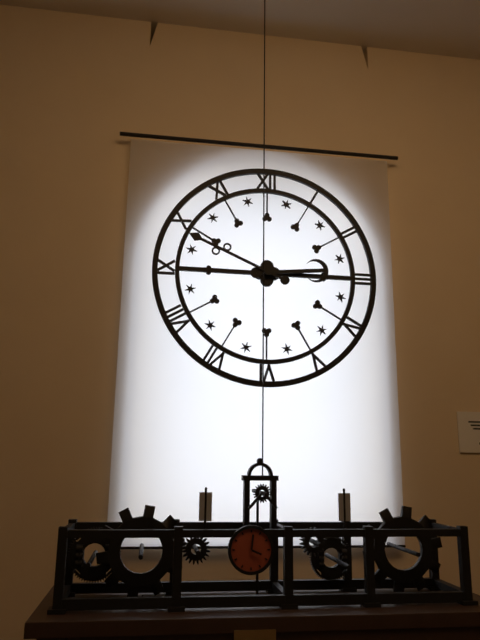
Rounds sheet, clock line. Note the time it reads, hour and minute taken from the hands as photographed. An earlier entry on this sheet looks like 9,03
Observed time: 2,49
